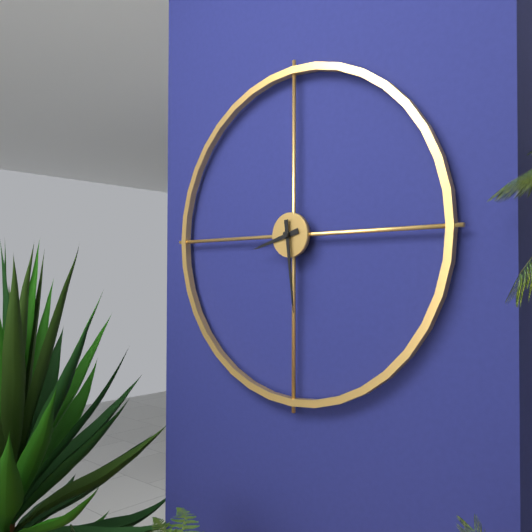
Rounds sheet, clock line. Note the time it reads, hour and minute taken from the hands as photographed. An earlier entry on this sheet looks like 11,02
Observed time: 8,29
